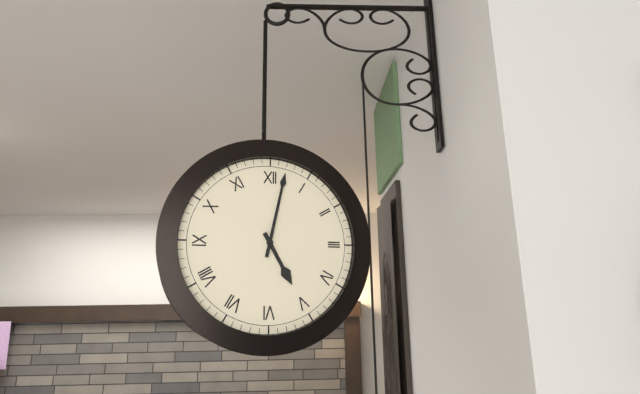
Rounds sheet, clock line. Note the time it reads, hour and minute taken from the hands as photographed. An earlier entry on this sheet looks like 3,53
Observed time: 5,02
